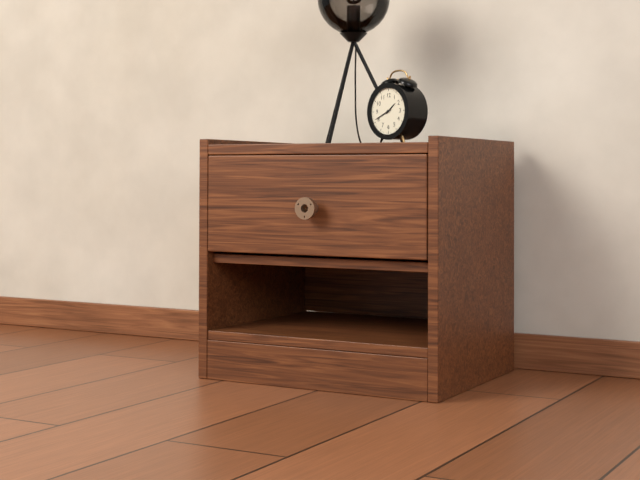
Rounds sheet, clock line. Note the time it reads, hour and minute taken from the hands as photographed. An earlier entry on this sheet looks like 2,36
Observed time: 1,41
